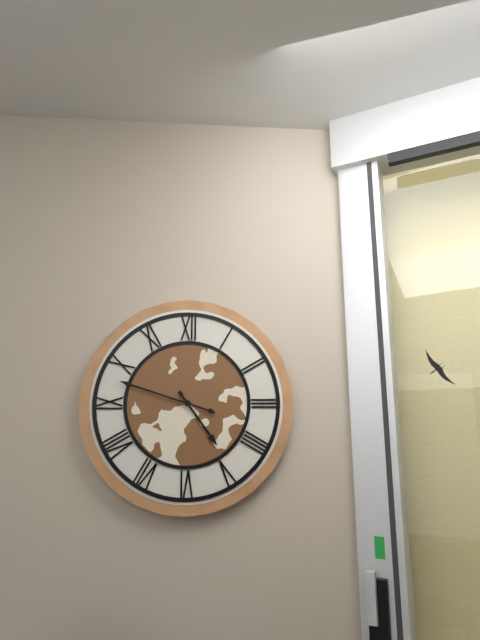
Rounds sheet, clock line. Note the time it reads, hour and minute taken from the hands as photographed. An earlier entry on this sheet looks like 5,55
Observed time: 4,48
